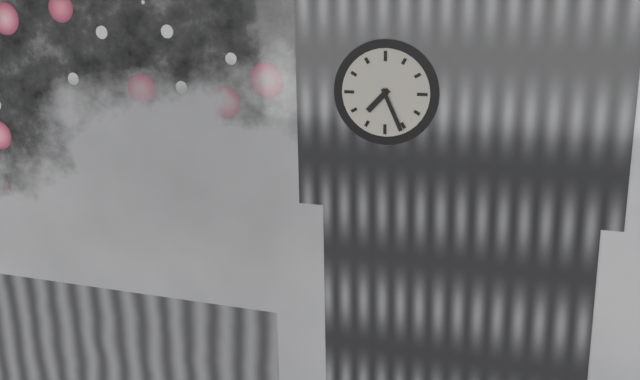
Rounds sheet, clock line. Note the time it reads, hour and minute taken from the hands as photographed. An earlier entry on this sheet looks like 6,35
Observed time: 7,26
